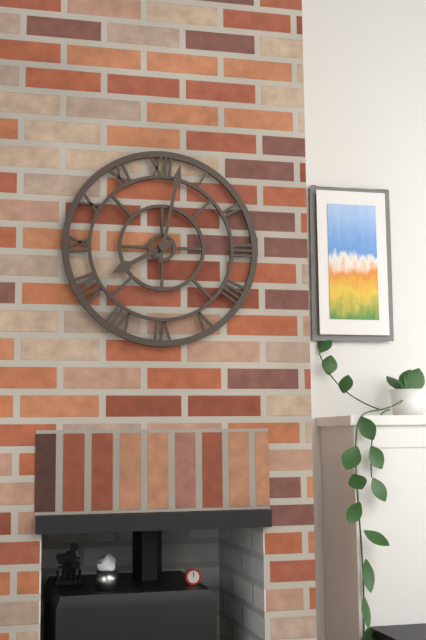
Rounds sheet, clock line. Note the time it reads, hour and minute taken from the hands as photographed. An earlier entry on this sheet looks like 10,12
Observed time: 8,02
